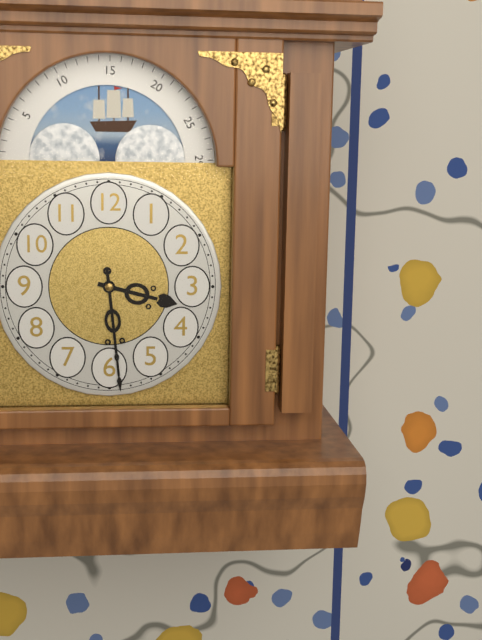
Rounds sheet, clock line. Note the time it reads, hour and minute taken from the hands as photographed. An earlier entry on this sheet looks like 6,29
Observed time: 3,29
